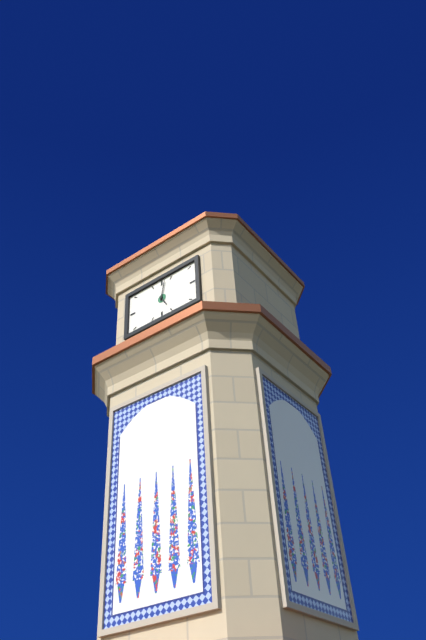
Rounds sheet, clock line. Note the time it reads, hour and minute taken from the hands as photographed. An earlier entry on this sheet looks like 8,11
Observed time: 5,02
